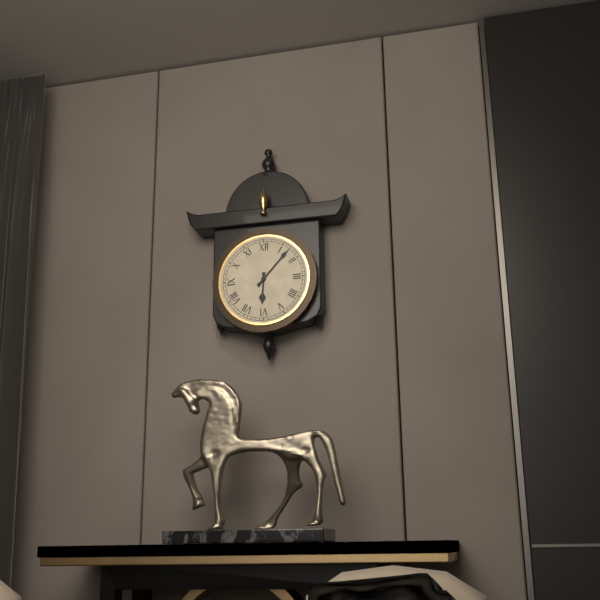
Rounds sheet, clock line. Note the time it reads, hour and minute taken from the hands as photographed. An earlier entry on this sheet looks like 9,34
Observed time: 6,07
